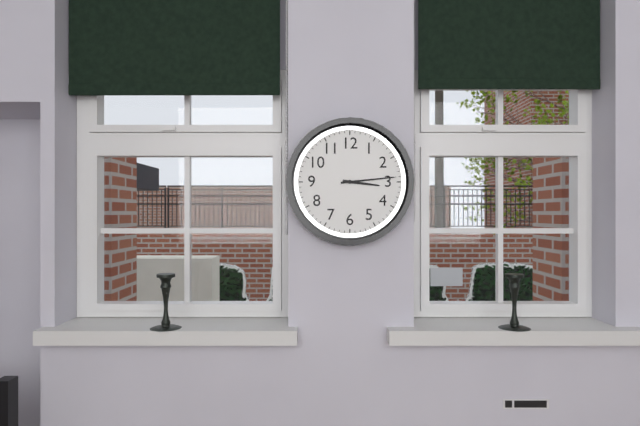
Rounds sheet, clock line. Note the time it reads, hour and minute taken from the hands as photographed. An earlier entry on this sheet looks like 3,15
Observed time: 3,14
